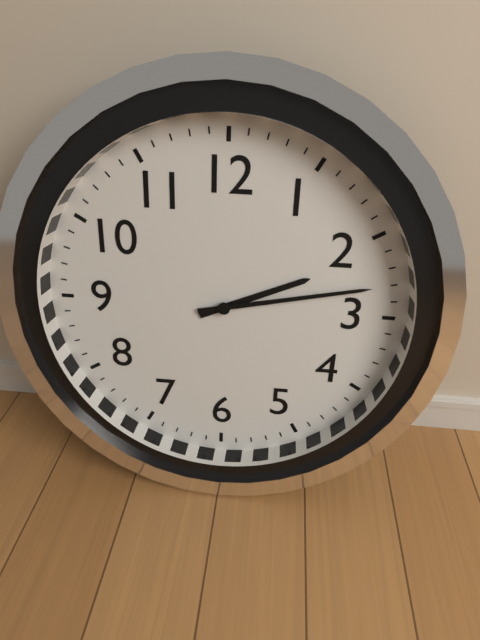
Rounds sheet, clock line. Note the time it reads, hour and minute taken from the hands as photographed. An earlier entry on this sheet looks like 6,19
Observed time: 2,13
